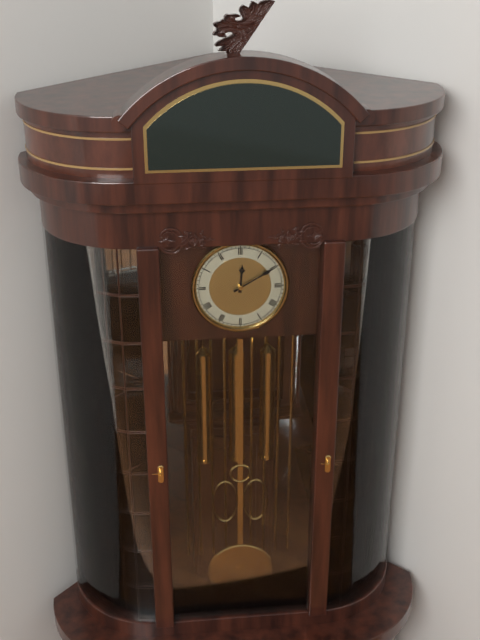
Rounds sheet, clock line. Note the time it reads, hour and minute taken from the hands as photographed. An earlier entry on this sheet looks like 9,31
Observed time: 12,10
